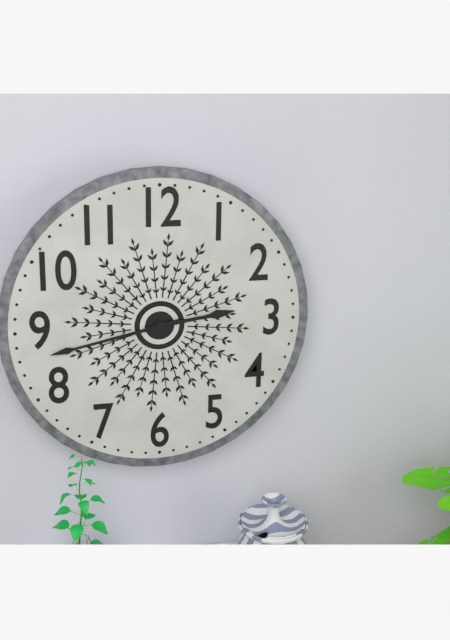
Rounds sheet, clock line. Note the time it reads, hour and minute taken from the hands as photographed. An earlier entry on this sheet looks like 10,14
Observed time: 2,43
